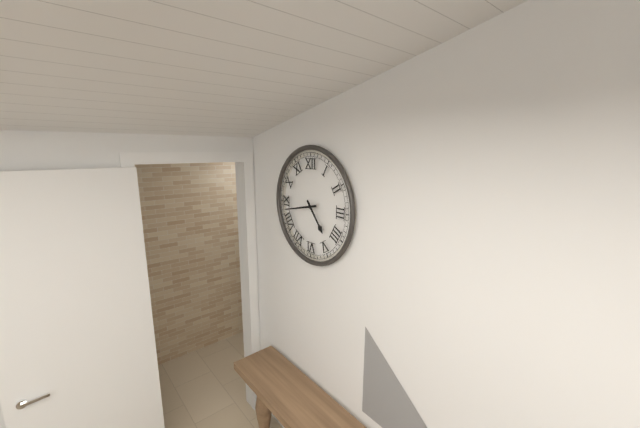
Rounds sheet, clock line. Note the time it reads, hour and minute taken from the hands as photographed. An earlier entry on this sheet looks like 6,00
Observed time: 4,43
